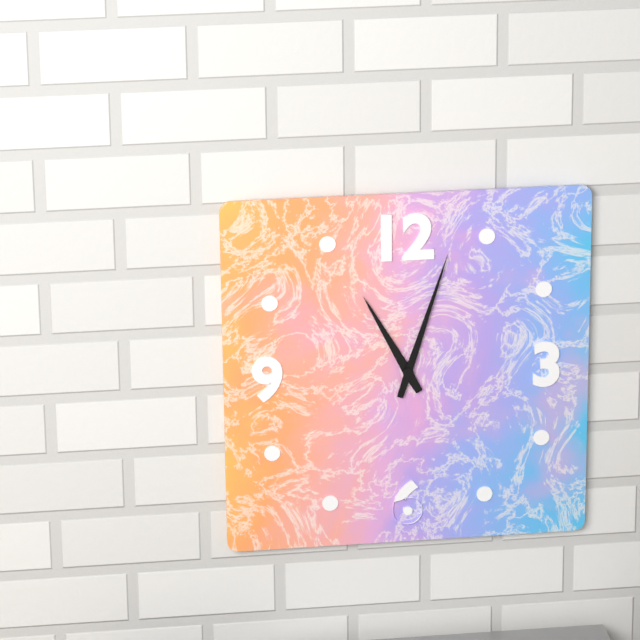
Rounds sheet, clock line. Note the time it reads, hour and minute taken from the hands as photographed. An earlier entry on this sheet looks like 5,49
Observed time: 11,03
